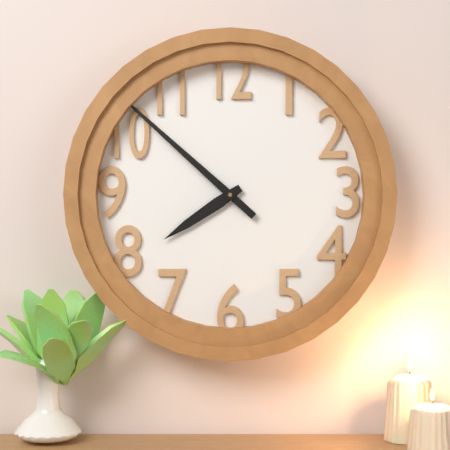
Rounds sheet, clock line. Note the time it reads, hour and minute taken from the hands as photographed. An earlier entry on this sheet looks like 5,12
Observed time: 7,52
